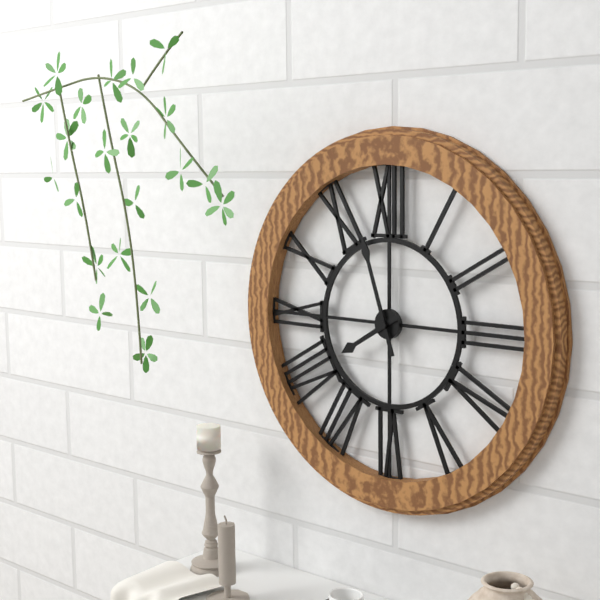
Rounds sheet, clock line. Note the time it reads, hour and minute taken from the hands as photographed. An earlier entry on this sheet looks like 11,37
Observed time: 7,57
